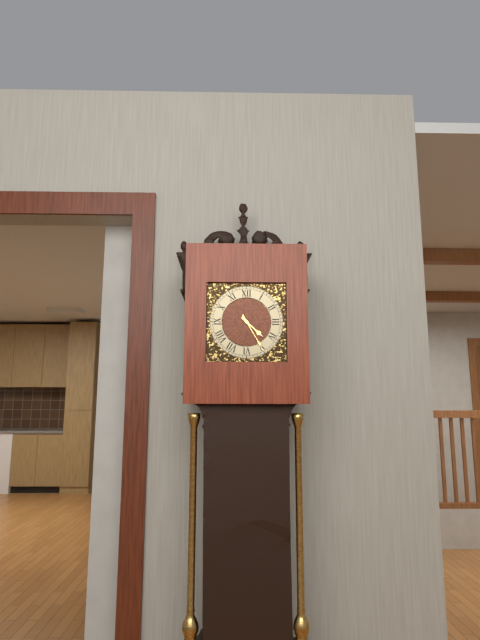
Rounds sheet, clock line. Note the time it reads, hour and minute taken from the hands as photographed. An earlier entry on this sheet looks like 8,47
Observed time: 4,25
